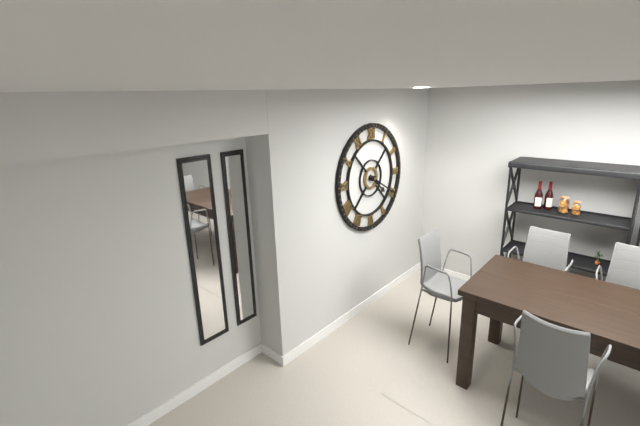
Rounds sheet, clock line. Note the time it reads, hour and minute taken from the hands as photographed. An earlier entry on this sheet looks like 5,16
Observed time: 4,20
